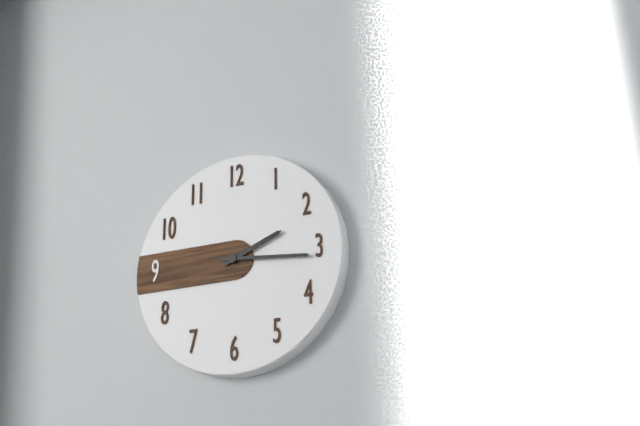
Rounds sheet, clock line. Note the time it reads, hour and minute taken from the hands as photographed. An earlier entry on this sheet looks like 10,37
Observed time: 2,16
